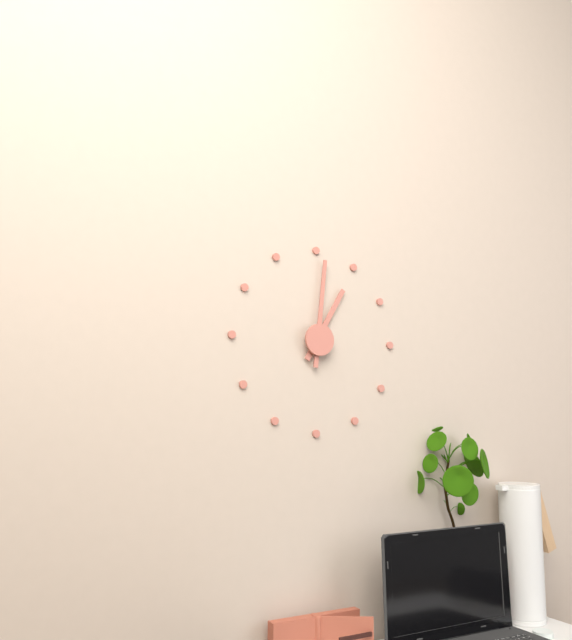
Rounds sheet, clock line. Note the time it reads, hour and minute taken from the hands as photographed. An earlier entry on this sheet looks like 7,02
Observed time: 1,01
